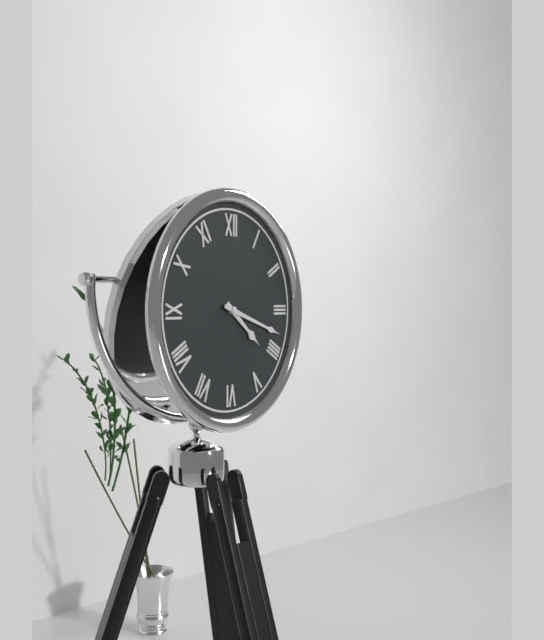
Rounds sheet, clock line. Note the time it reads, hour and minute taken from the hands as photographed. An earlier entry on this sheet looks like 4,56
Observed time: 4,18
